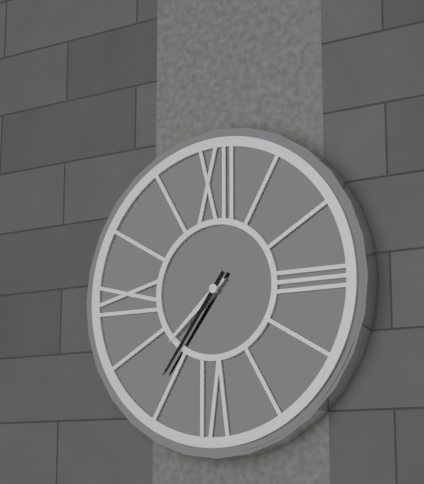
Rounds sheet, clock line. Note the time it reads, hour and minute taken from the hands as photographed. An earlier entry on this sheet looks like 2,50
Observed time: 7,36
